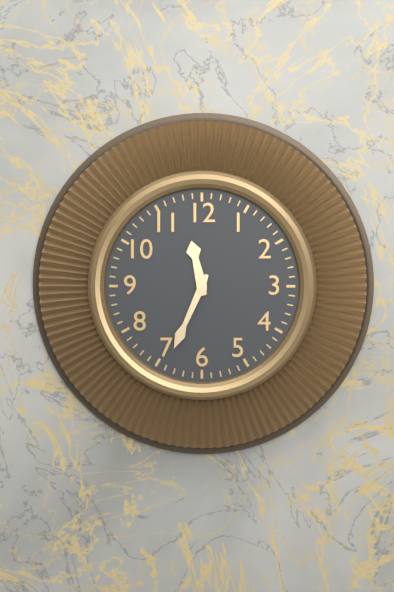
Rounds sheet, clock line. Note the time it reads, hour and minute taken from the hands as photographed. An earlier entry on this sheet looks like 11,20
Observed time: 11,34
